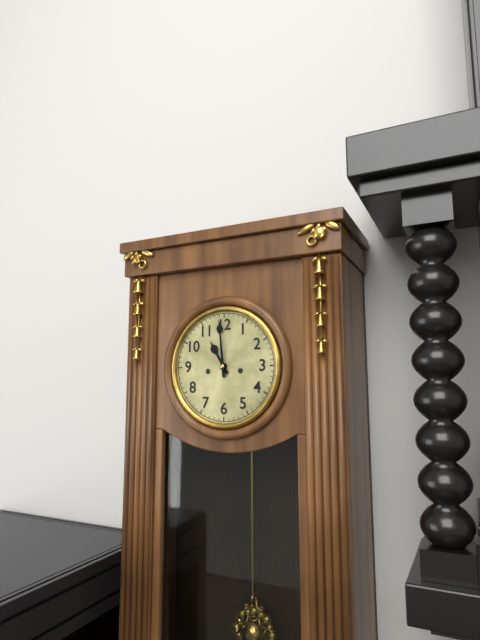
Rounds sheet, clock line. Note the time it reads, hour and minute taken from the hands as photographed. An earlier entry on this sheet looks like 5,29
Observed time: 10,59
